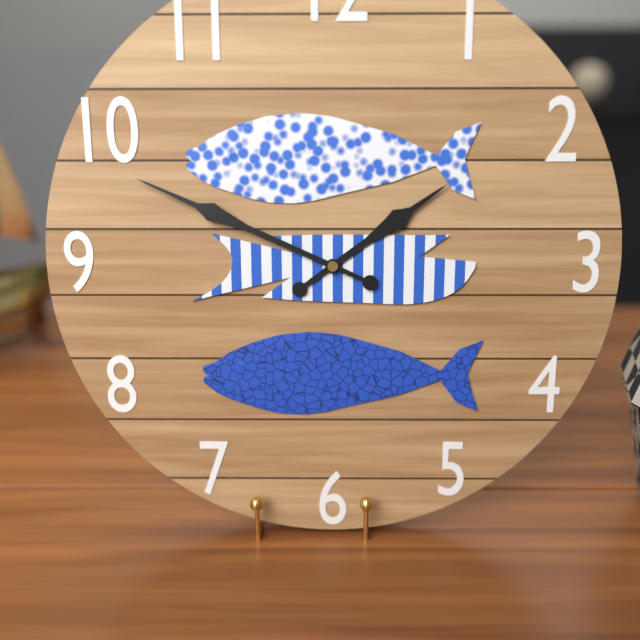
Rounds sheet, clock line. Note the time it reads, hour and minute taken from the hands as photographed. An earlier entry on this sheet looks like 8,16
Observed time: 1,49
